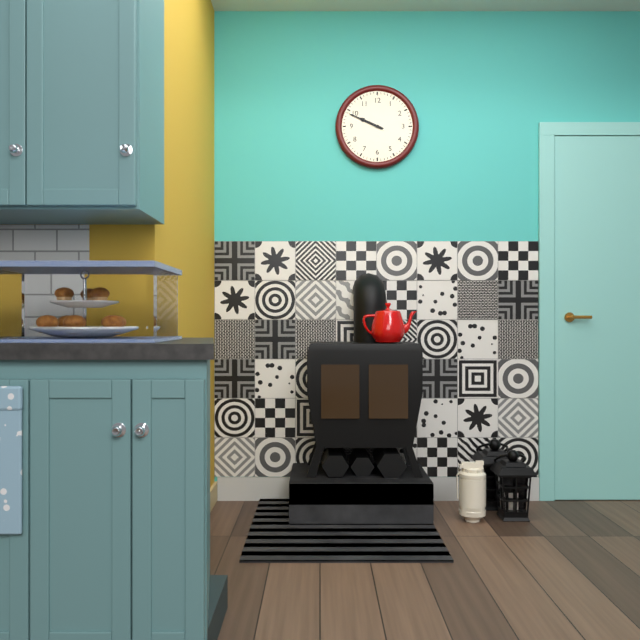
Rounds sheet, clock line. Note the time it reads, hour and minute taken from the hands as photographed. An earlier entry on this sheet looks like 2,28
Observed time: 9,49
